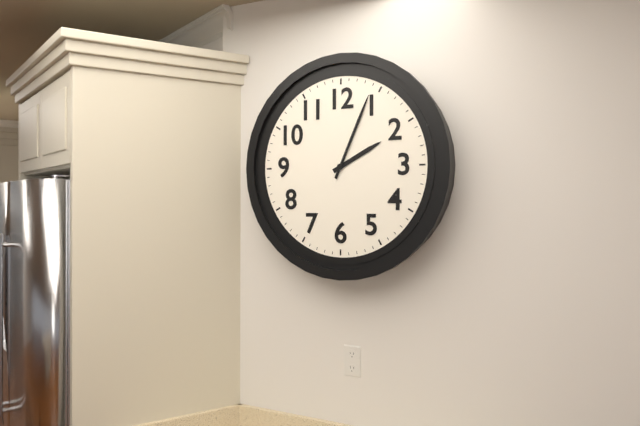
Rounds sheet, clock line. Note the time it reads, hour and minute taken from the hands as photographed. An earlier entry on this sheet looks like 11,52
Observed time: 2,04
